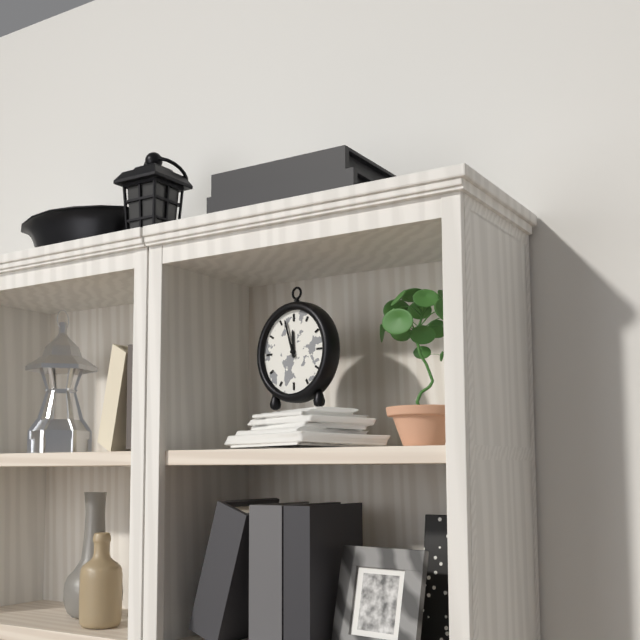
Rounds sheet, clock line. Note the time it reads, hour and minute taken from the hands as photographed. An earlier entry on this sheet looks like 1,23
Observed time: 11,57
